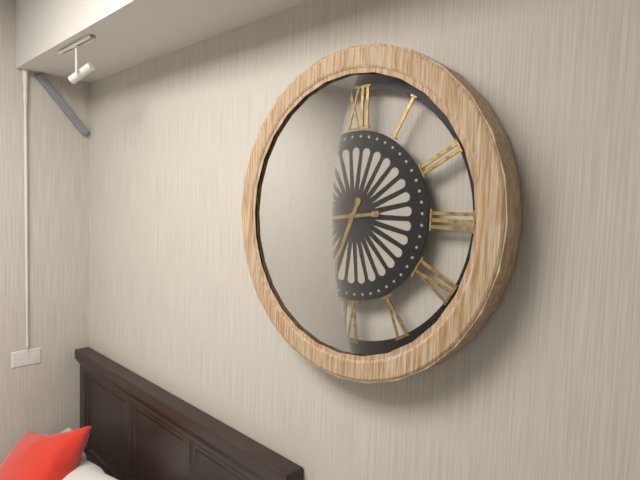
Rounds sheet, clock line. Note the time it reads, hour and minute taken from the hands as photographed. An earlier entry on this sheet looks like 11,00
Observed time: 6,44
